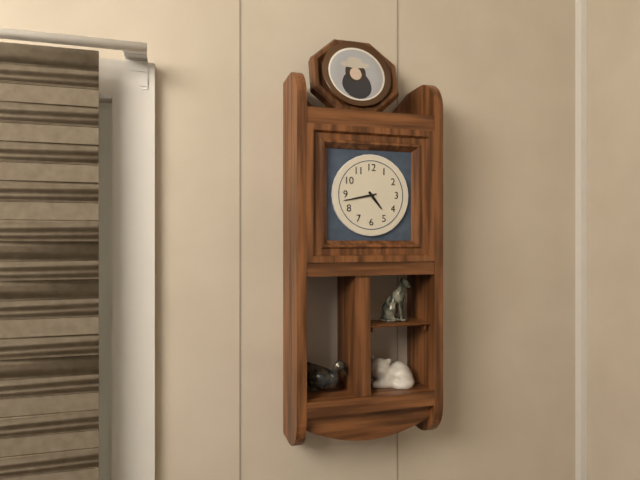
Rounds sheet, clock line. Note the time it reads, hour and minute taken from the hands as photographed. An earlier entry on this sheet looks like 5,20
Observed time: 4,43
